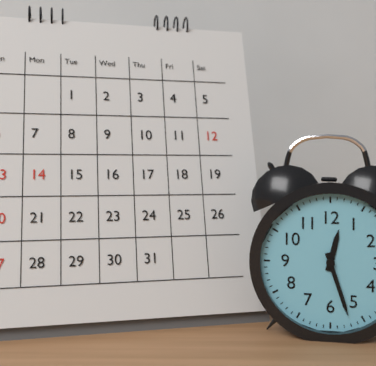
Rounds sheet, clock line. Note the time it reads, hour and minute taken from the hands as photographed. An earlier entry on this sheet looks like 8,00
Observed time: 12,27
